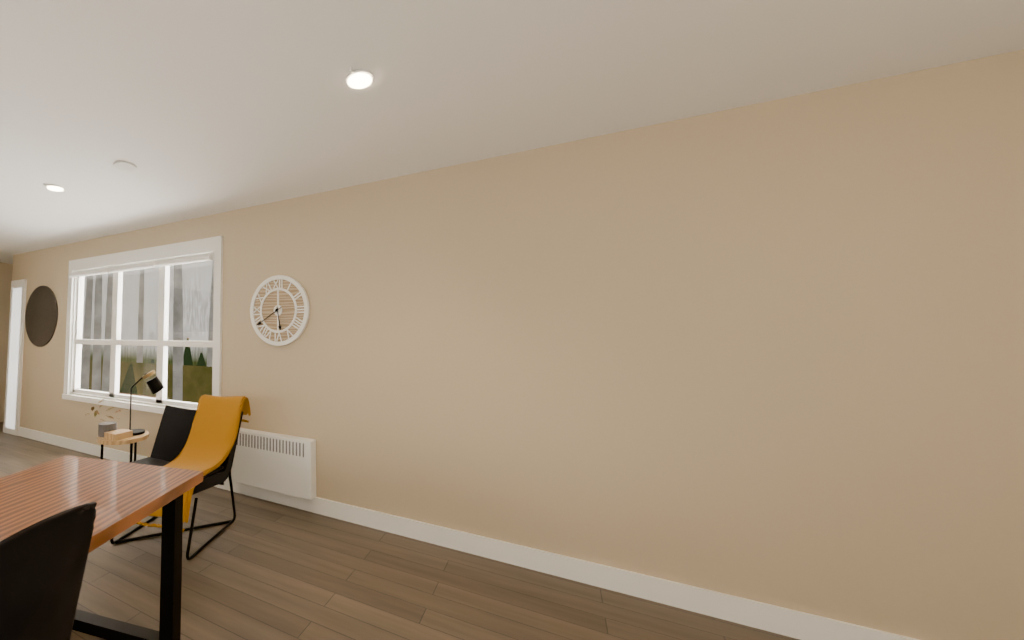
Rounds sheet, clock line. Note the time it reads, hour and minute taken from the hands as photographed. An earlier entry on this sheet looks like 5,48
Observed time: 5,40
